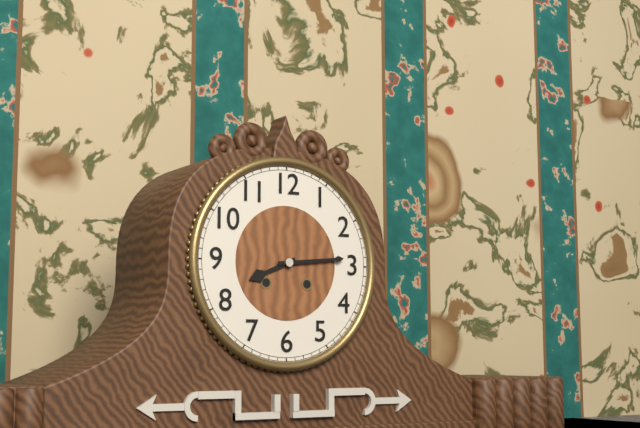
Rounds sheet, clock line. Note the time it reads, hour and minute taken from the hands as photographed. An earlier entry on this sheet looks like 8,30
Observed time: 8,14
